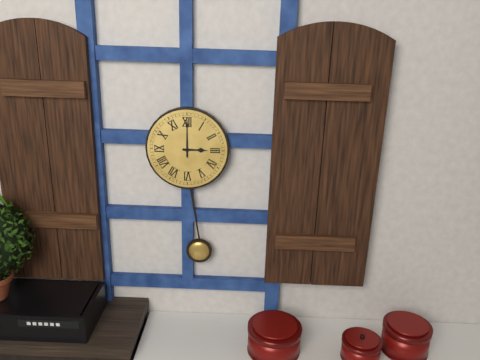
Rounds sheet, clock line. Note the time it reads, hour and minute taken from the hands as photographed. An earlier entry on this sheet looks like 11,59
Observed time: 3,00
